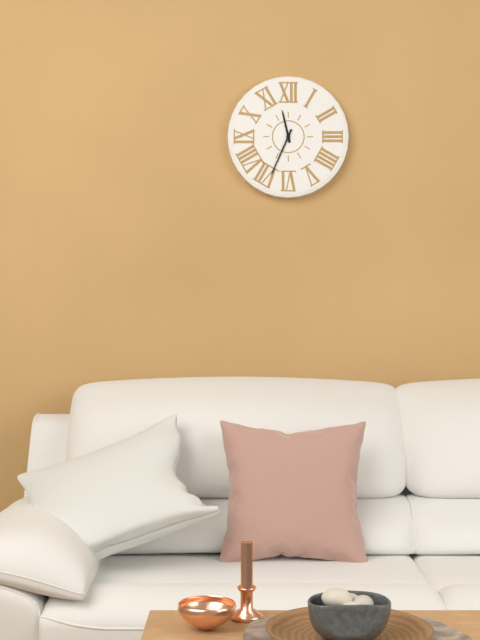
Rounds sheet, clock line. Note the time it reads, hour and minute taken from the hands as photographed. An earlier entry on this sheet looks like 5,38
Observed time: 11,34
